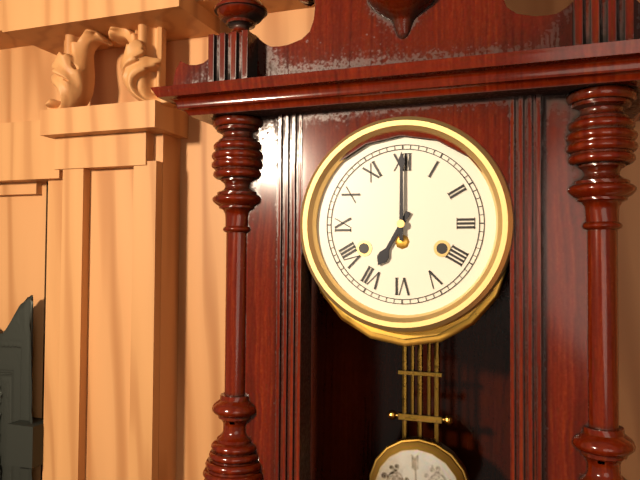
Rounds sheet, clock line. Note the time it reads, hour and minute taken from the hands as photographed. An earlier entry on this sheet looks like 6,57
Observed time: 7,00
